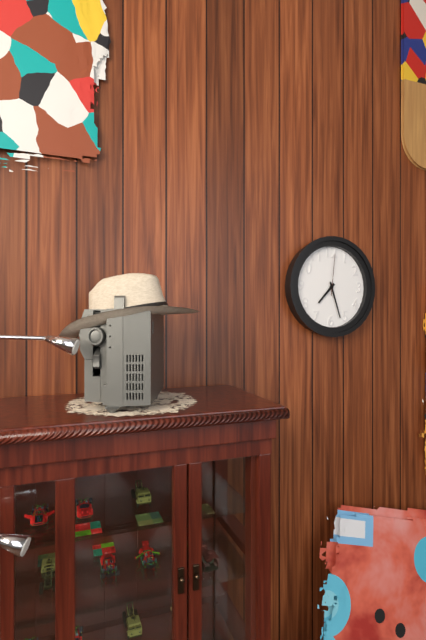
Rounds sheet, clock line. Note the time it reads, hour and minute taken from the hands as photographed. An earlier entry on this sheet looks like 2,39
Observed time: 7,27
